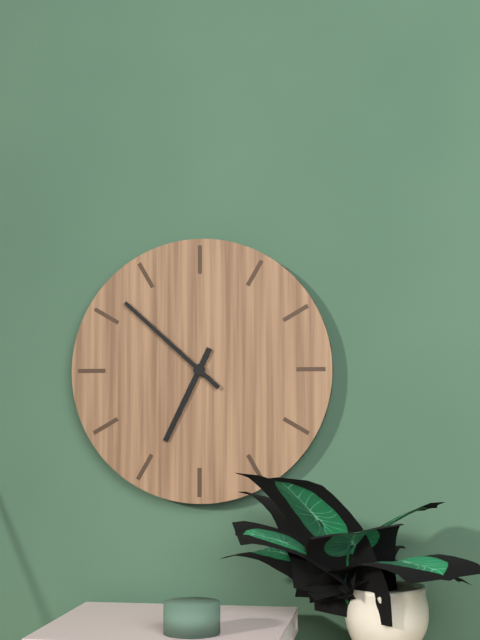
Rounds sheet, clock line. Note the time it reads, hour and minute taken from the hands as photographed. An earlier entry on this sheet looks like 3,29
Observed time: 6,52
